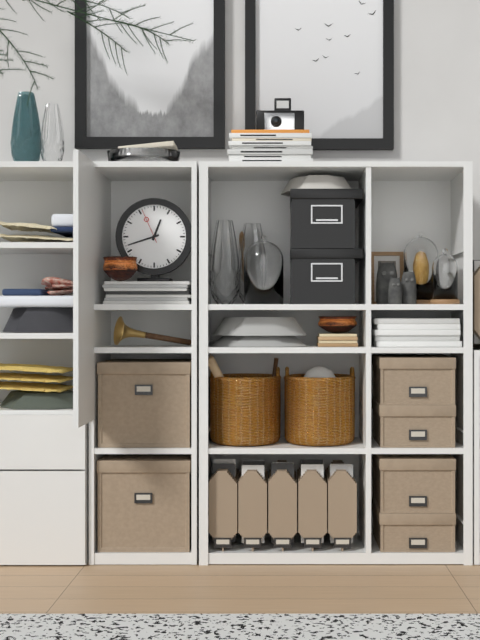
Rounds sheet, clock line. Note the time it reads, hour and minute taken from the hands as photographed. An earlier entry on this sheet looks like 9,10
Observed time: 12,42
